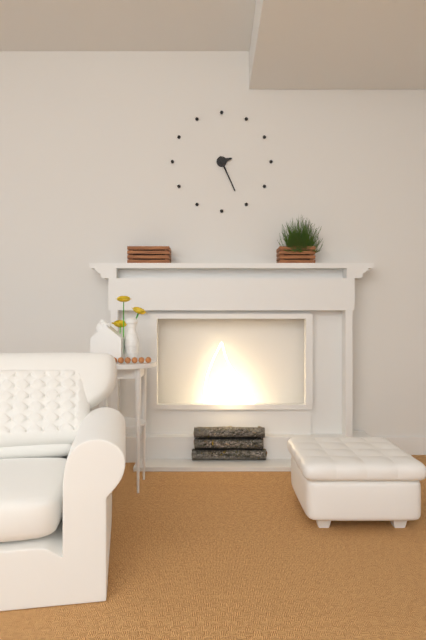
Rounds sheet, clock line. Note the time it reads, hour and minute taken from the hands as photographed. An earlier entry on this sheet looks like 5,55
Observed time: 2,26
